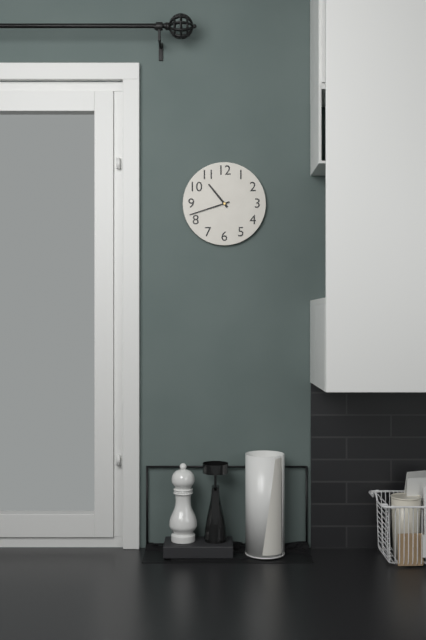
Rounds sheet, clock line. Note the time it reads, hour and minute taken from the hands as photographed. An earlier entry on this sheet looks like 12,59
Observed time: 10,42
